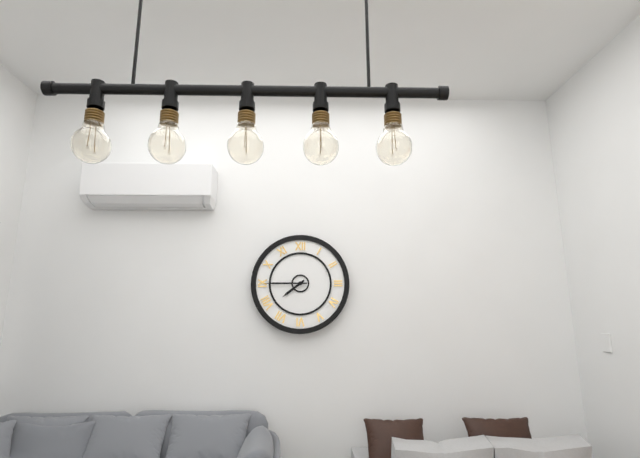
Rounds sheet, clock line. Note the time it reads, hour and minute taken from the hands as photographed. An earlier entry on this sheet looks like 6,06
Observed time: 7,45
